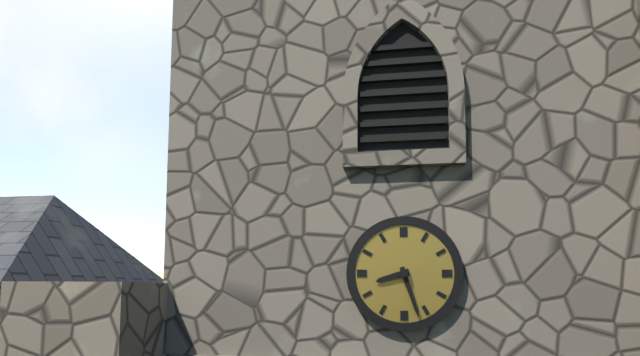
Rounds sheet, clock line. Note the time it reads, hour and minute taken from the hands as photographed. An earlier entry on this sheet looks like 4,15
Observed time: 8,27
